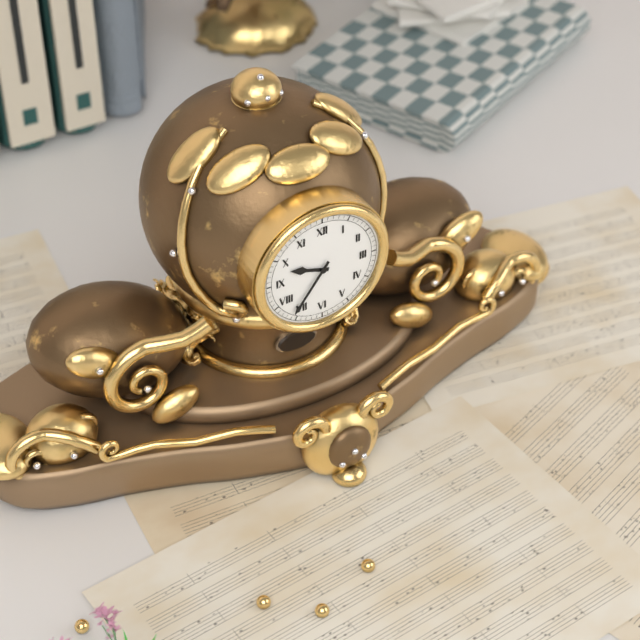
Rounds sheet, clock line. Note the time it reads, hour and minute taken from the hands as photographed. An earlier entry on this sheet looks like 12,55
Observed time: 9,36
